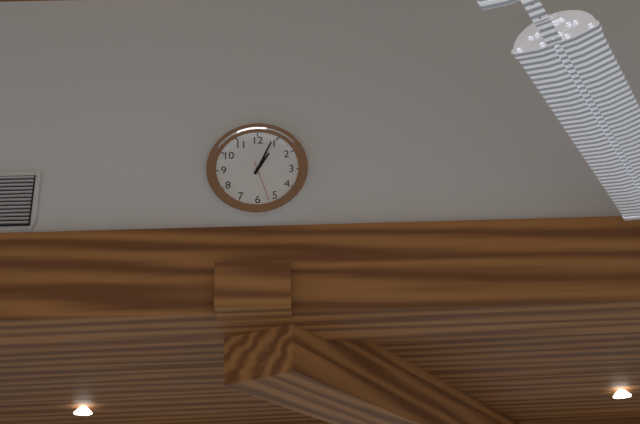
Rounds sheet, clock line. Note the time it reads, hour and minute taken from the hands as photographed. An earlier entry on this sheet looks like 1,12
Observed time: 1,04
